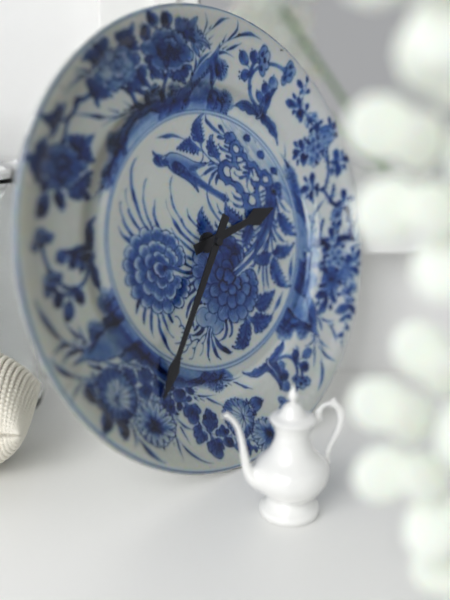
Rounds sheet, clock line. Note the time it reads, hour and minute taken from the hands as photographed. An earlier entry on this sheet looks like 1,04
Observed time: 2,36
